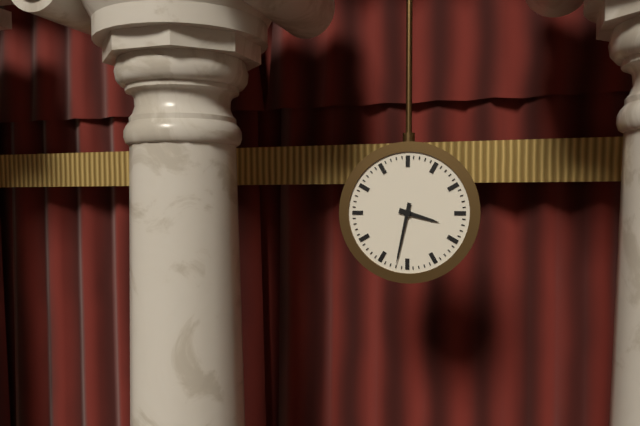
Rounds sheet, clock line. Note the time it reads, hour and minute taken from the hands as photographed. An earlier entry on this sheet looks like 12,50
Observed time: 3,32
